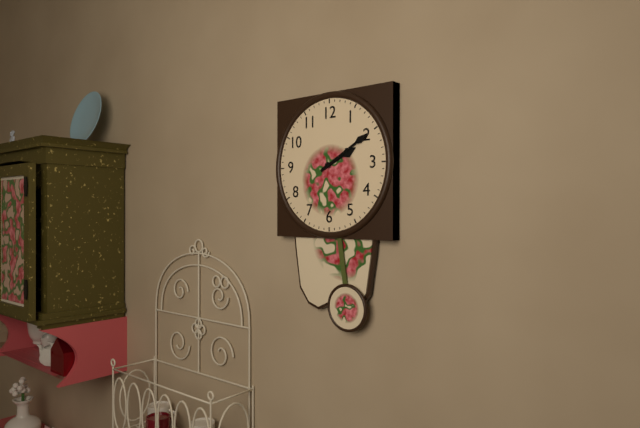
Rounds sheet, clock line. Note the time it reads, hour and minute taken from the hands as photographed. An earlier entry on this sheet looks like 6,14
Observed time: 2,10
